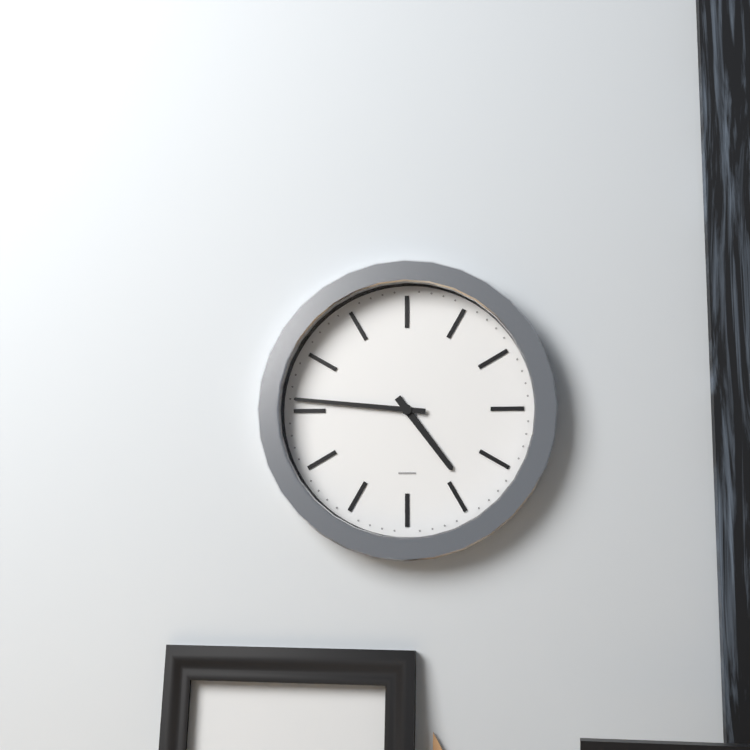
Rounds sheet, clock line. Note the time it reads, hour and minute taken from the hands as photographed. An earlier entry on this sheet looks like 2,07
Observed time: 4,46
